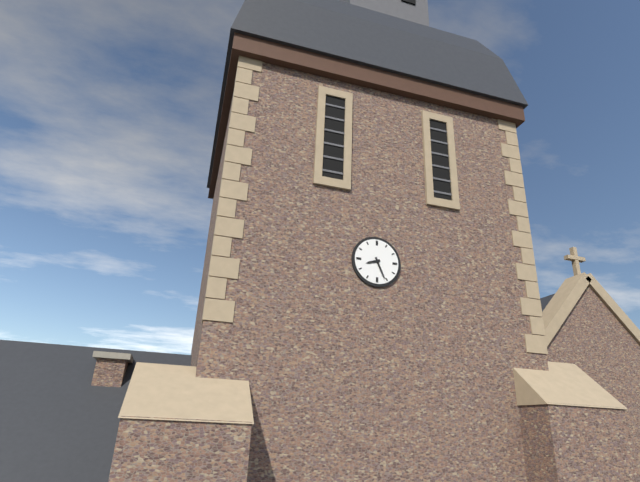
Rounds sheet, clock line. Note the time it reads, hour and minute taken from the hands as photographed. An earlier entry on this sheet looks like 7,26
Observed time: 8,26
